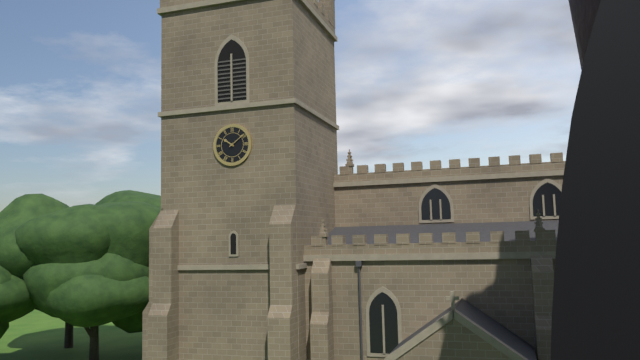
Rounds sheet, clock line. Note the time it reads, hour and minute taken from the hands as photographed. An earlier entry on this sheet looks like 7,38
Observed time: 10,09
